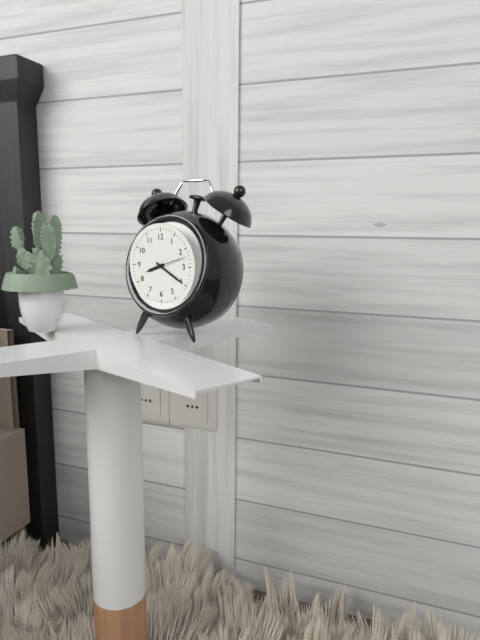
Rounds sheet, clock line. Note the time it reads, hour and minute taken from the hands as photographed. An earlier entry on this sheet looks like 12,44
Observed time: 8,20
